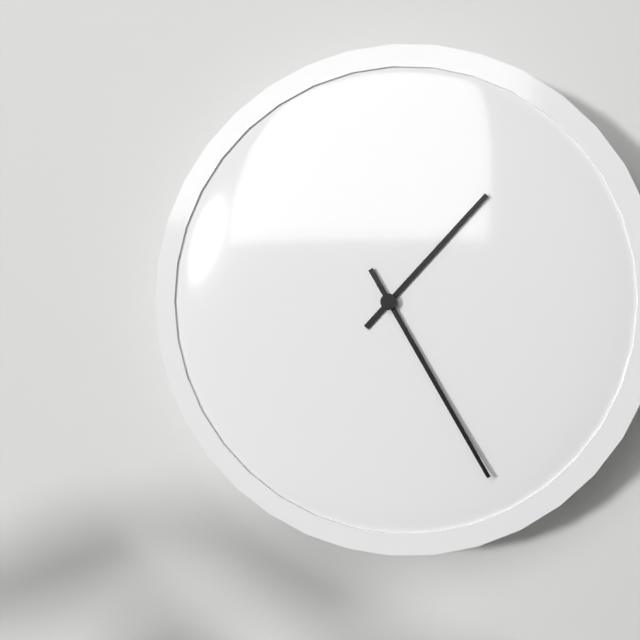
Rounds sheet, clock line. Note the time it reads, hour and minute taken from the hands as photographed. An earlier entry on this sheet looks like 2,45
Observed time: 1,25
